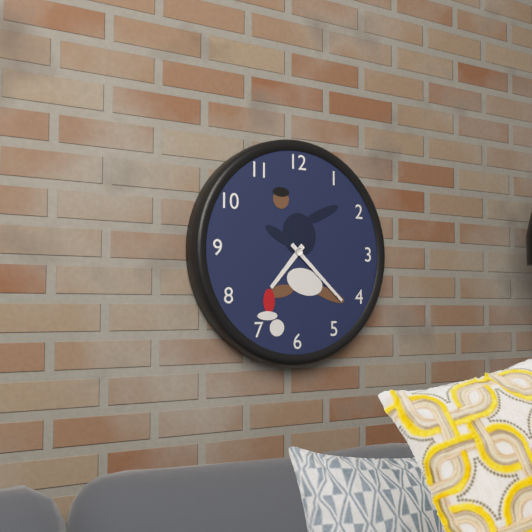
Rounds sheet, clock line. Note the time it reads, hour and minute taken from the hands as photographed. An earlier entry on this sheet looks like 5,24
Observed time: 7,22
